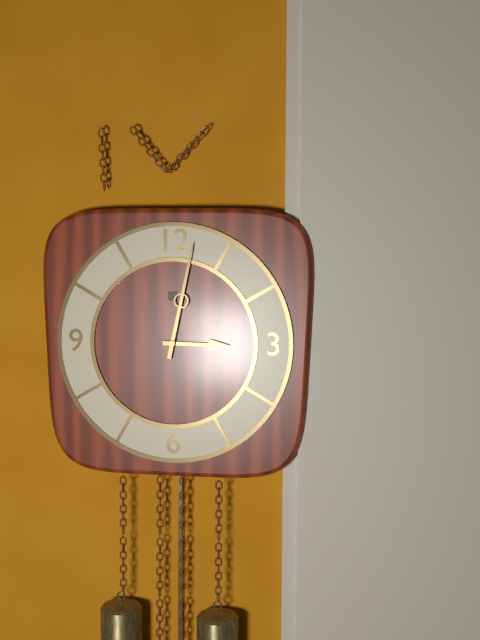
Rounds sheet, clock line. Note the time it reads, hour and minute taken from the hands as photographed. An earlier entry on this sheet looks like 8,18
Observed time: 3,02
